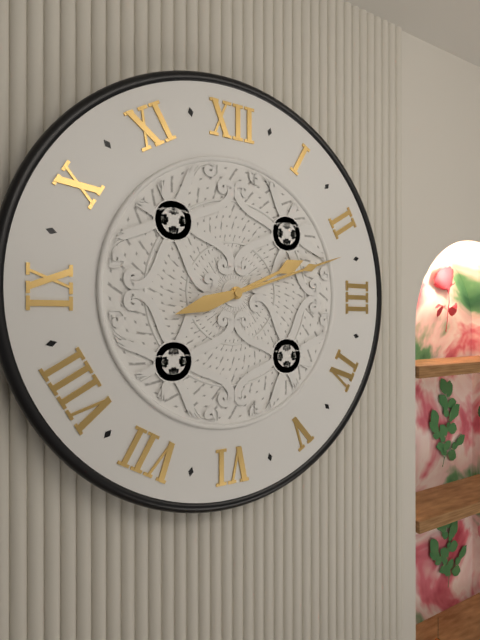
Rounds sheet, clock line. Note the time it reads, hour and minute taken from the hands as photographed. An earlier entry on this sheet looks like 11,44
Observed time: 2,12
